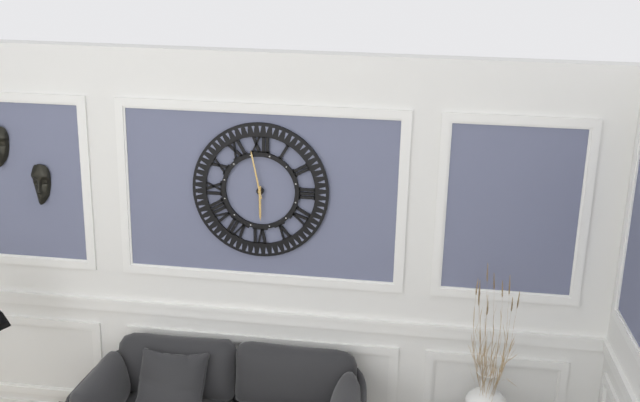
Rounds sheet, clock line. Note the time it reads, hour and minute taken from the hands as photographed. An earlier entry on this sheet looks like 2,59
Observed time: 5,58
